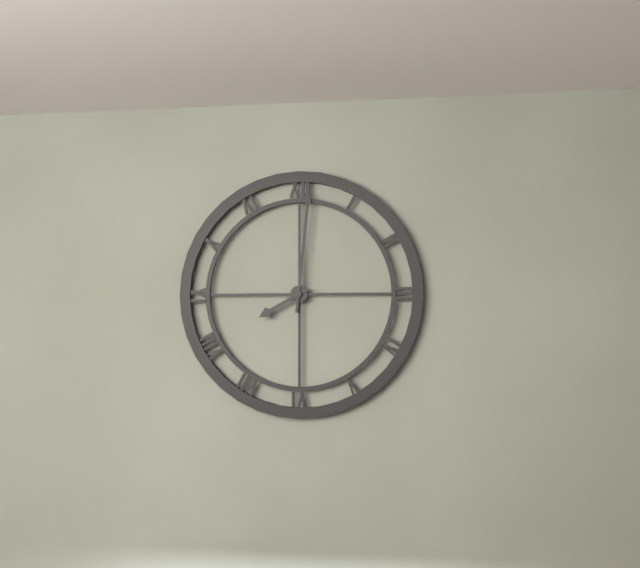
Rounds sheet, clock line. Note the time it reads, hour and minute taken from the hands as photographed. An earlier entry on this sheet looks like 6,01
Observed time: 8,01
